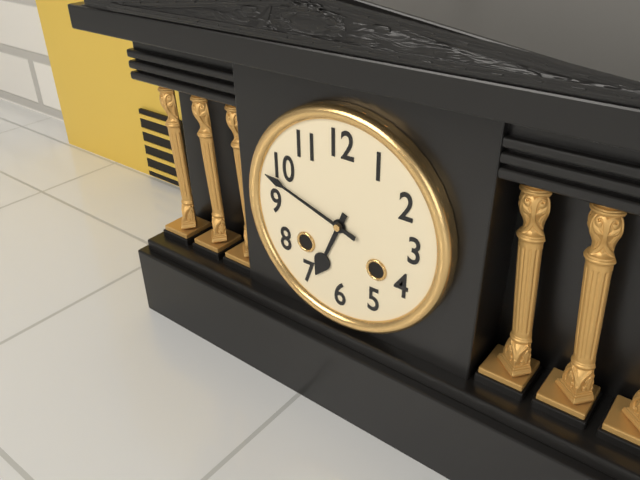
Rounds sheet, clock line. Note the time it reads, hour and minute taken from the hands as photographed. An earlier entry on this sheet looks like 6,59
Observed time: 6,48
